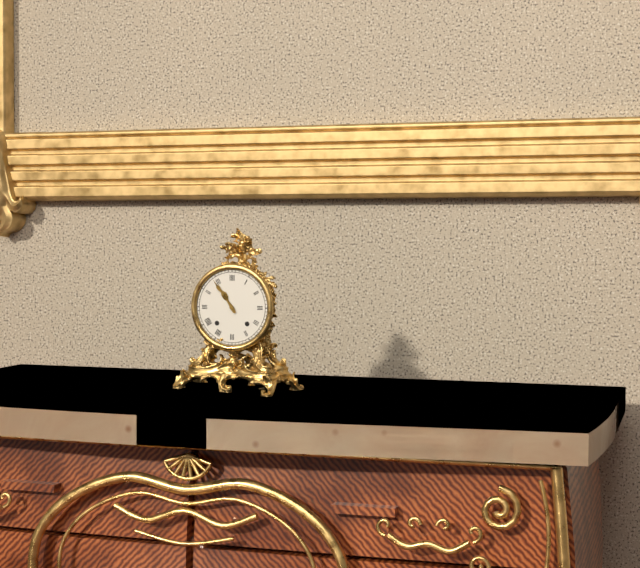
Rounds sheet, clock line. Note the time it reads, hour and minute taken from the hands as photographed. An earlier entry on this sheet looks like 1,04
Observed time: 10,54
